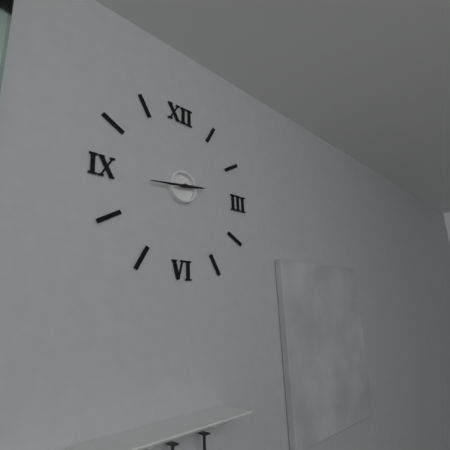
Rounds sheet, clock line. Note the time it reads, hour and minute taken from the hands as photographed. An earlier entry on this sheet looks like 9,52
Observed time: 2,44
